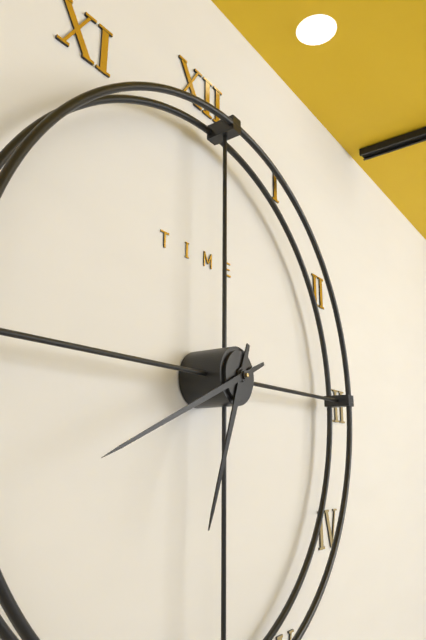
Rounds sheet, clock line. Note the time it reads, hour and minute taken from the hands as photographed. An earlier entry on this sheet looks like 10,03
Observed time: 6,41
